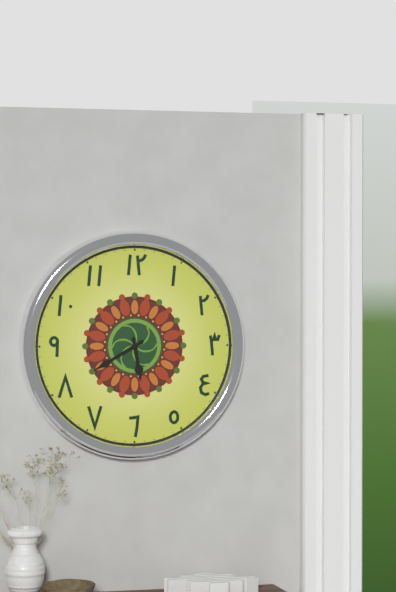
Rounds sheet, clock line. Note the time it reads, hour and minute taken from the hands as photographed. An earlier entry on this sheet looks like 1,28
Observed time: 5,40
